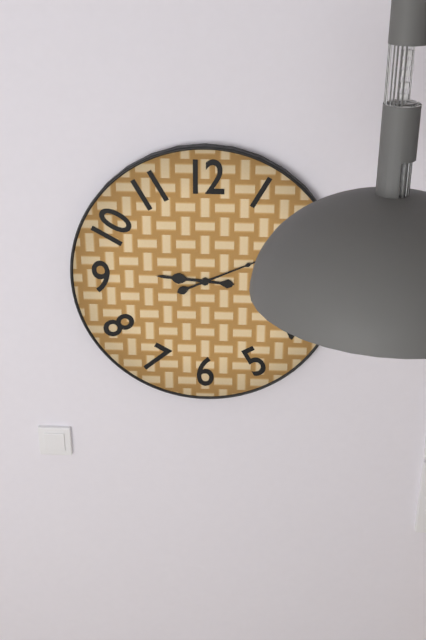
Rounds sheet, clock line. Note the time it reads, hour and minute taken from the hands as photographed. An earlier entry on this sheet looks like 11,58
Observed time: 9,11
